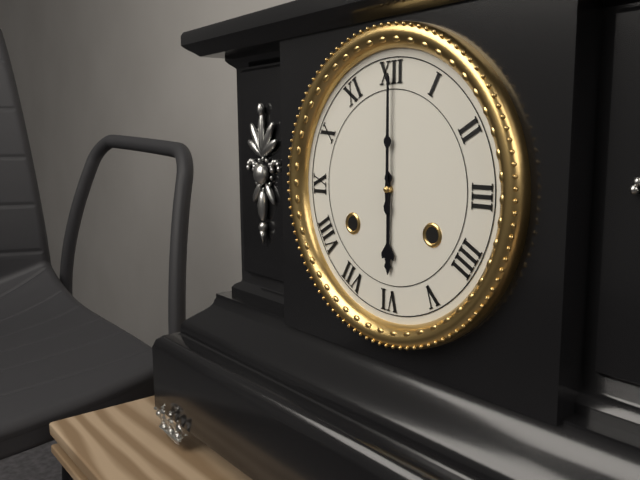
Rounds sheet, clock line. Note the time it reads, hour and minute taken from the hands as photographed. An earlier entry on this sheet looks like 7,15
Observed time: 6,00
